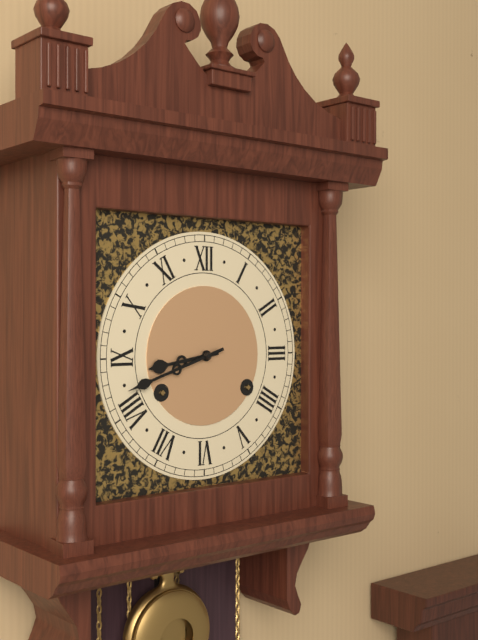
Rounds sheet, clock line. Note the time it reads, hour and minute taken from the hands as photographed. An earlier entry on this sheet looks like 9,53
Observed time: 8,42
